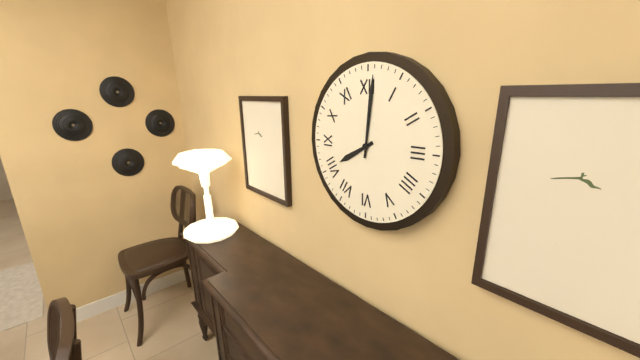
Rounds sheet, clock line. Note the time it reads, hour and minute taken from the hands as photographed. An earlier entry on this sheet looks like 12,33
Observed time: 8,01
